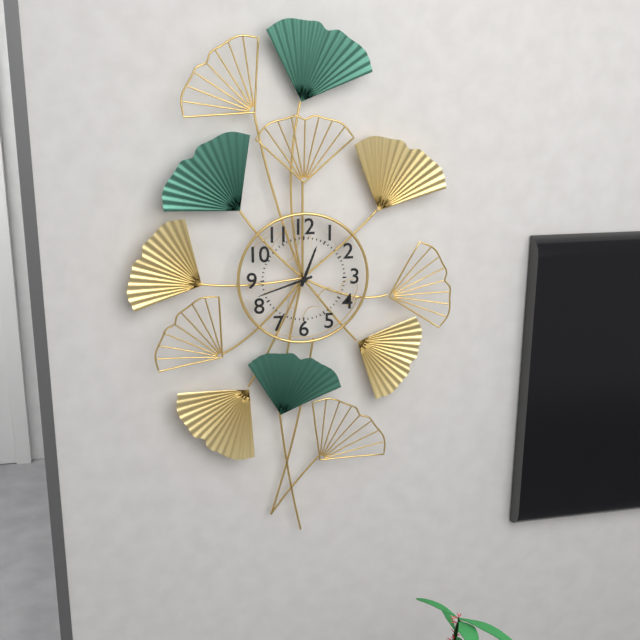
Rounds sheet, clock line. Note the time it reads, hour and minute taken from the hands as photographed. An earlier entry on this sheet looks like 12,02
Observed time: 12,42
